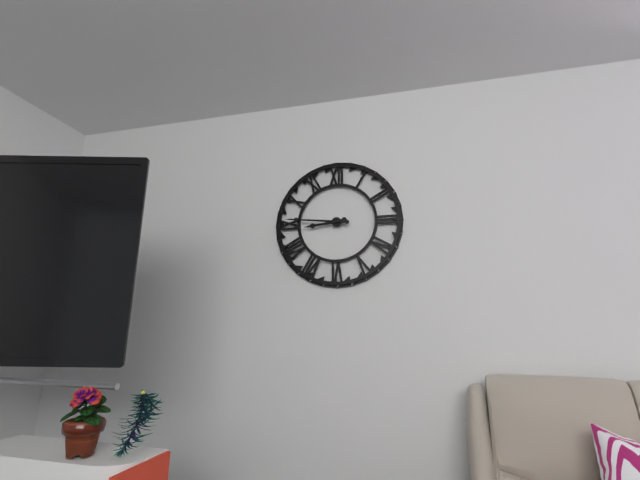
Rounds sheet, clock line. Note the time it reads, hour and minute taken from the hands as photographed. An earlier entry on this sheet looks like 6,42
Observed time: 8,46
